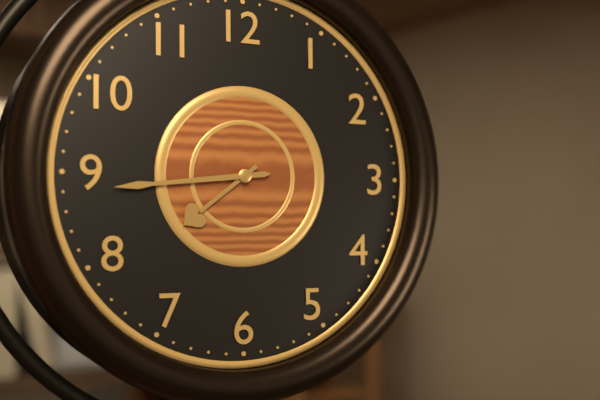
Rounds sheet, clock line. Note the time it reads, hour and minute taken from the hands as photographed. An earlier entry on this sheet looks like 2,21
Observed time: 7,44
